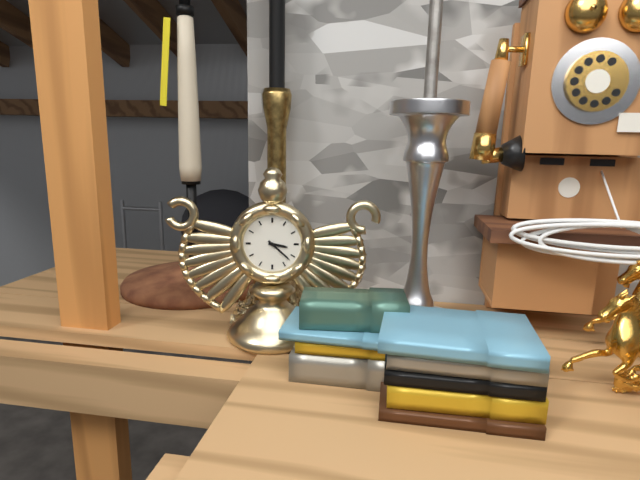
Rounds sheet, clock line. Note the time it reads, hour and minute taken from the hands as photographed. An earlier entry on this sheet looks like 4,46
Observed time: 3,22
